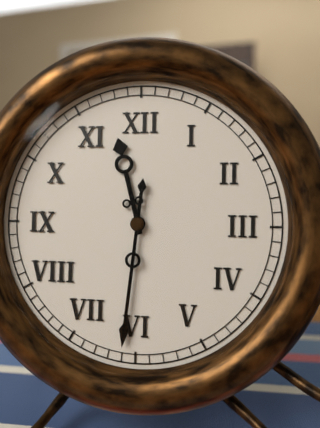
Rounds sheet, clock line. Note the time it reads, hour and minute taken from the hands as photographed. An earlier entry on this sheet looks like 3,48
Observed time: 11,31
